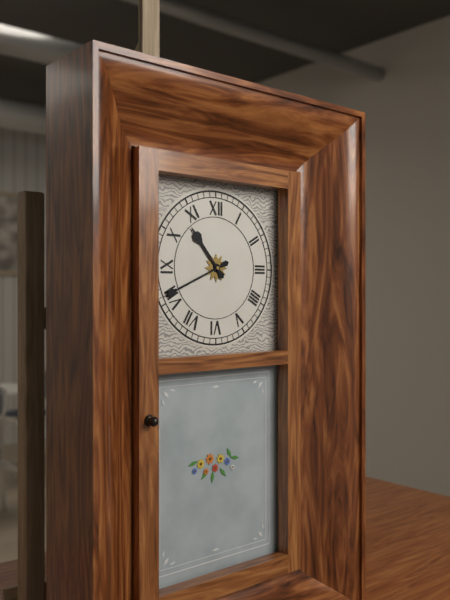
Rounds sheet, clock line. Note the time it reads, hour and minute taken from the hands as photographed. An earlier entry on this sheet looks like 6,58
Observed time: 10,41
